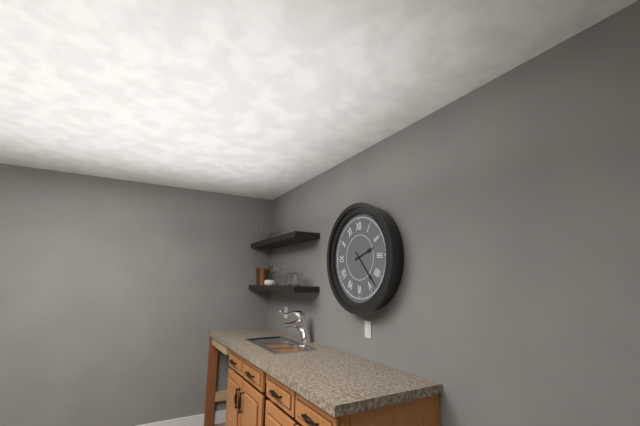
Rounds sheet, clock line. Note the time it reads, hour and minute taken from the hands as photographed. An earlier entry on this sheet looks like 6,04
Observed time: 2,23
